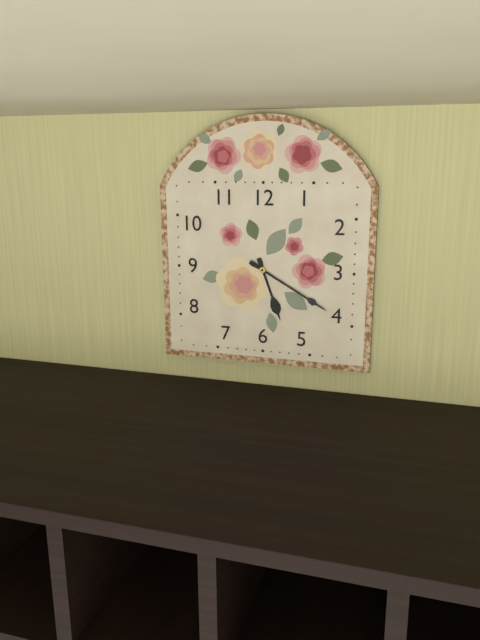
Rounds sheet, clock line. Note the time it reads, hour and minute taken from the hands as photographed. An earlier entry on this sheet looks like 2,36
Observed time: 5,20
